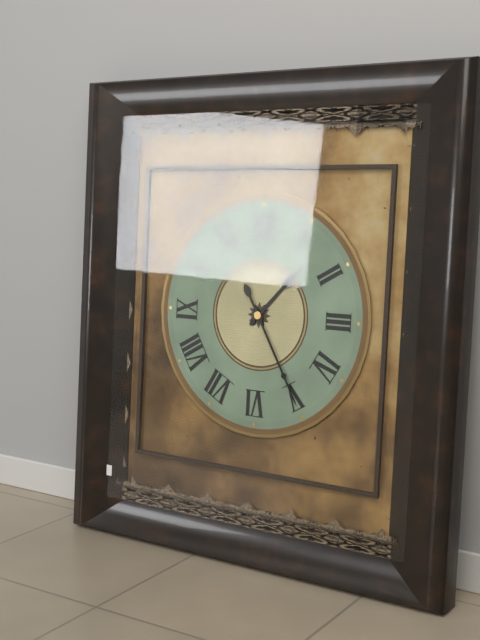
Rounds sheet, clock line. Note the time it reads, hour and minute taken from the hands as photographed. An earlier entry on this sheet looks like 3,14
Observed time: 1,25
